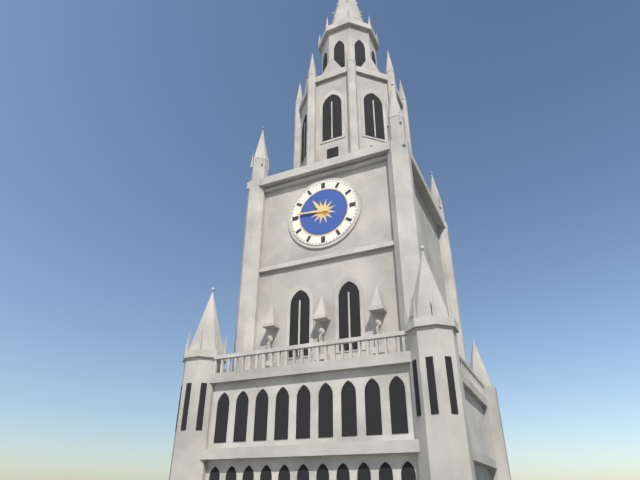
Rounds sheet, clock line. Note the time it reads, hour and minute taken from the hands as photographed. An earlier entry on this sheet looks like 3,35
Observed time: 10,46
